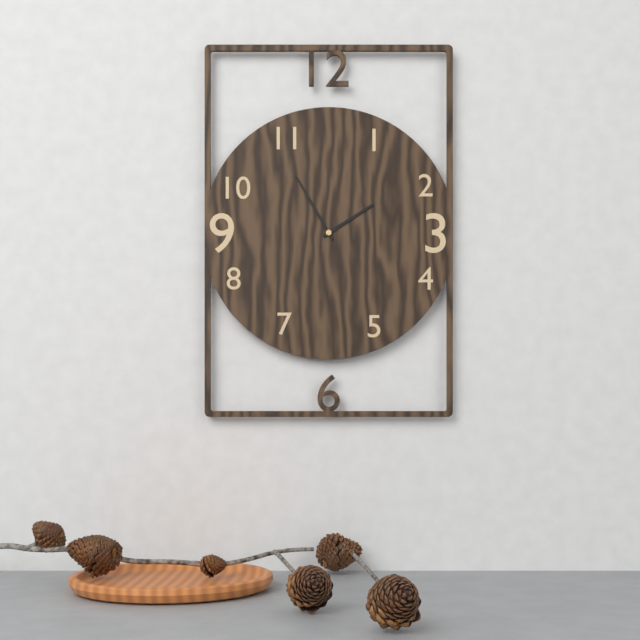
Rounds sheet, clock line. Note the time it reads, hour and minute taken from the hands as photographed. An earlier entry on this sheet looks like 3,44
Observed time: 1,55
